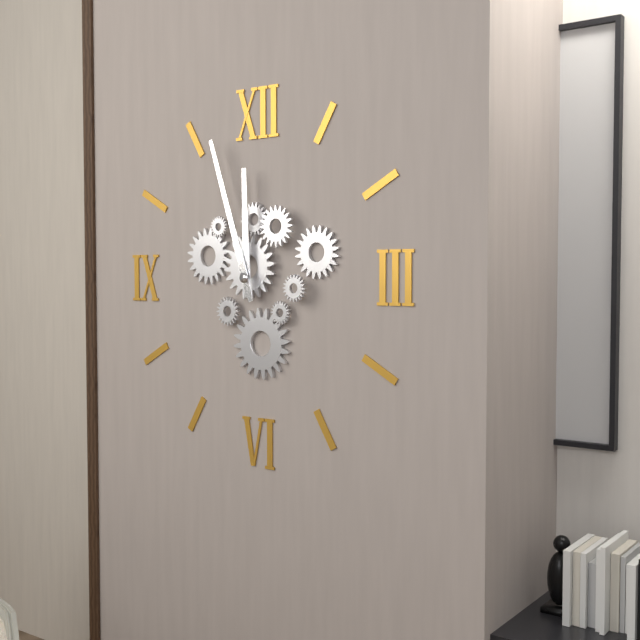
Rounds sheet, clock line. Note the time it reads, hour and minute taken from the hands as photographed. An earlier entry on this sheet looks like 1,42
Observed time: 11,57
